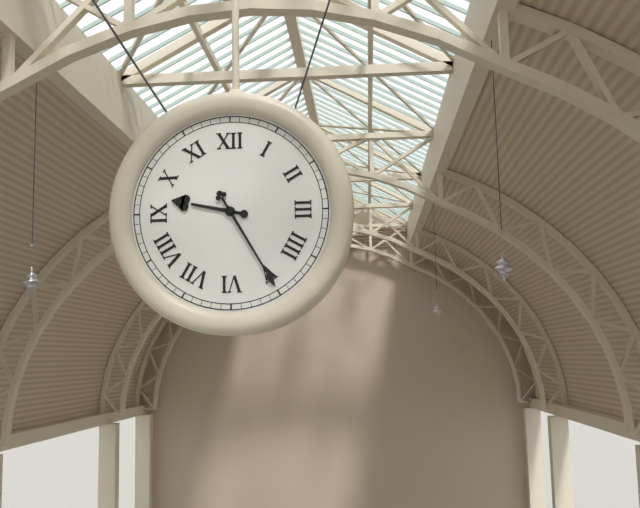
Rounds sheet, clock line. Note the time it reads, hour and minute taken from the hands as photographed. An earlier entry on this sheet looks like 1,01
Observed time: 9,25
